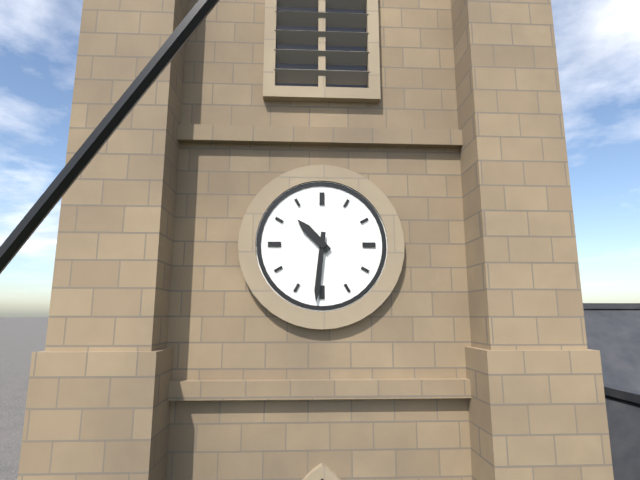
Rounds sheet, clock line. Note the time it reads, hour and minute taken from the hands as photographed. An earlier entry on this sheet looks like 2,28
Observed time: 10,31
